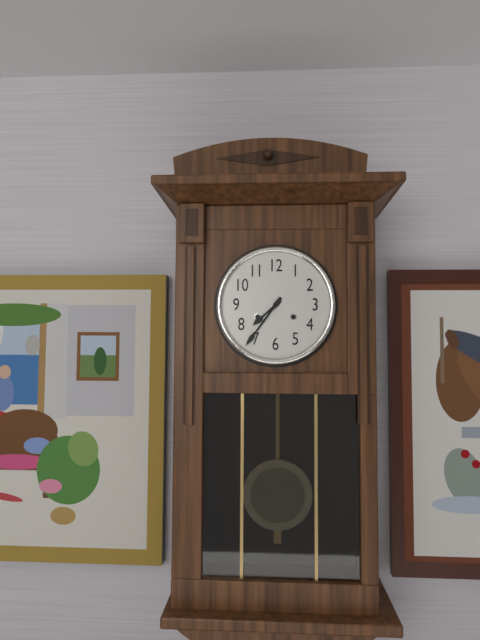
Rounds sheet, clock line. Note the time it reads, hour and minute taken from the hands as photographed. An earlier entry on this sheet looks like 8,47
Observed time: 7,36
